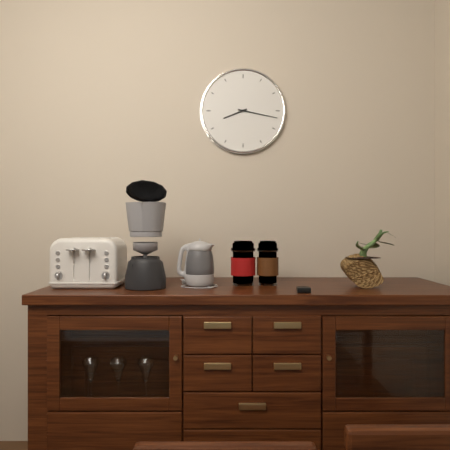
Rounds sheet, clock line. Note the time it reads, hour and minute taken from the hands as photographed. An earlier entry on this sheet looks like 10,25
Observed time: 8,17
